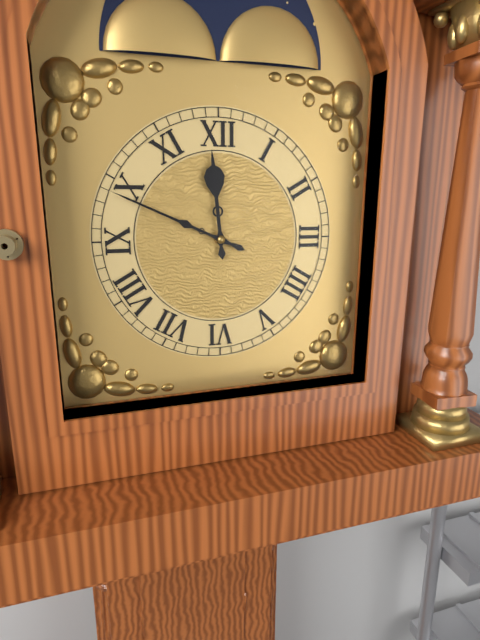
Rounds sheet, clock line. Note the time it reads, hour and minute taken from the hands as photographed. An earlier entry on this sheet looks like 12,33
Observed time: 11,49
